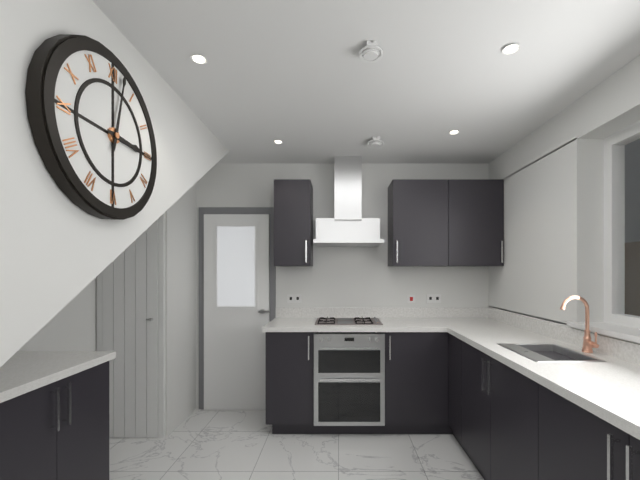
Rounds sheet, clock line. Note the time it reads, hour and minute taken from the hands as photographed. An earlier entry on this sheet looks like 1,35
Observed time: 3,02
